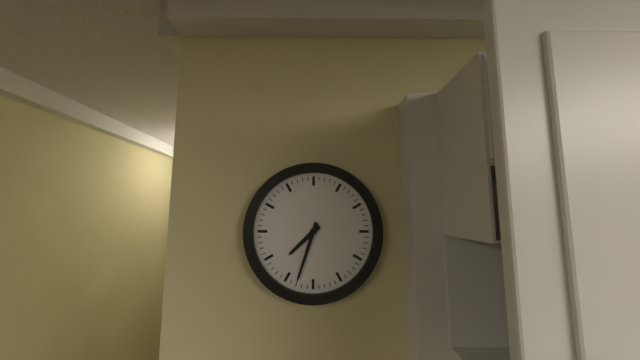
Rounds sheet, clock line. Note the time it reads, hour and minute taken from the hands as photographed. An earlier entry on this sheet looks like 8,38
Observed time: 7,33
